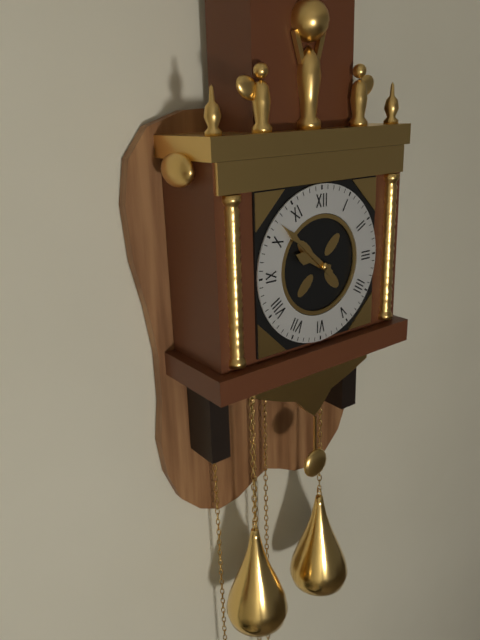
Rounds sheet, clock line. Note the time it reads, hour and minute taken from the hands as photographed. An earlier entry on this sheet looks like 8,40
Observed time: 9,52
